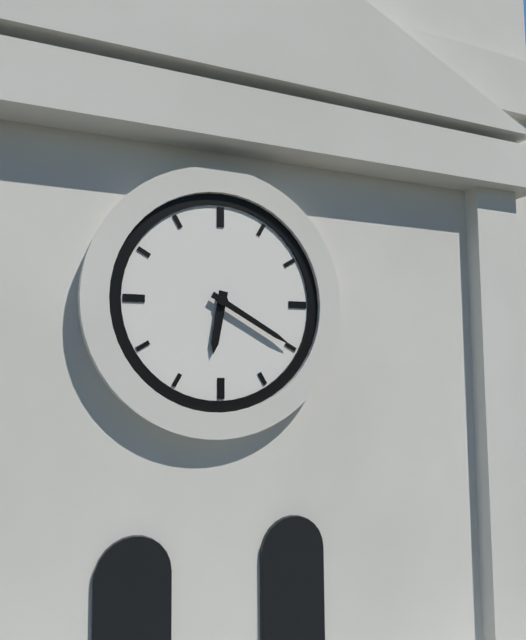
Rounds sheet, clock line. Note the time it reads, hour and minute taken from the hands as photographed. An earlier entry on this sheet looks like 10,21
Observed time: 6,20
